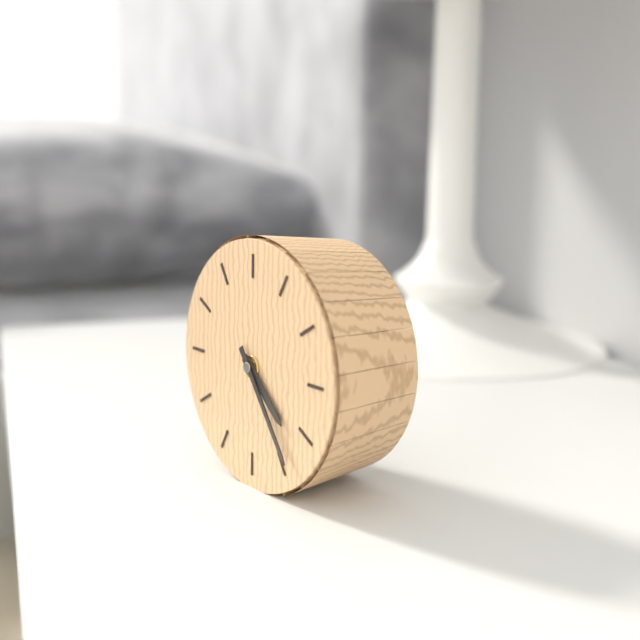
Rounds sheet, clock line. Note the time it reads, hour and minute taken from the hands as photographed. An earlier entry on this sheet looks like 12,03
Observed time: 4,24
